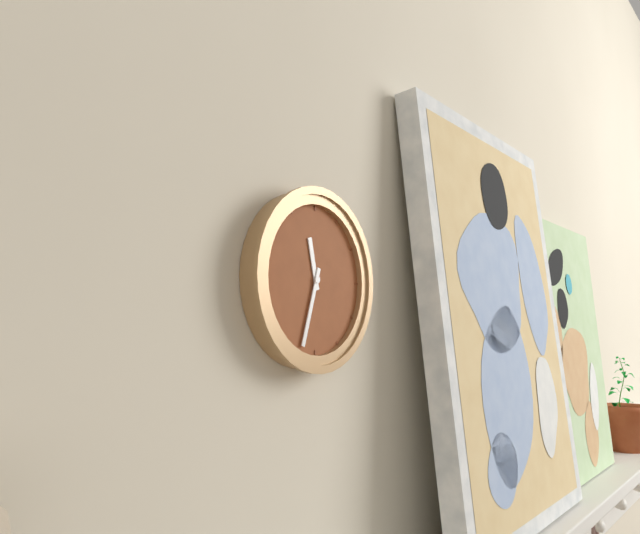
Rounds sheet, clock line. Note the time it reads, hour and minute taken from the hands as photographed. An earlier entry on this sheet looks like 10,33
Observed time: 11,33
